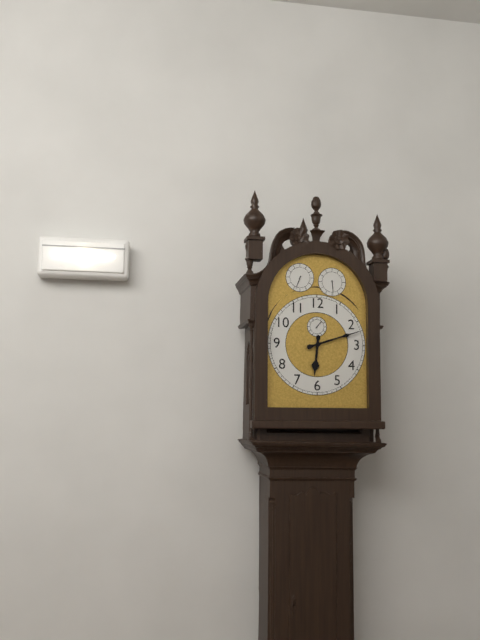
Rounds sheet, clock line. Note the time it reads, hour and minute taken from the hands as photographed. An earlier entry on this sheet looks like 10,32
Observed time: 6,12
